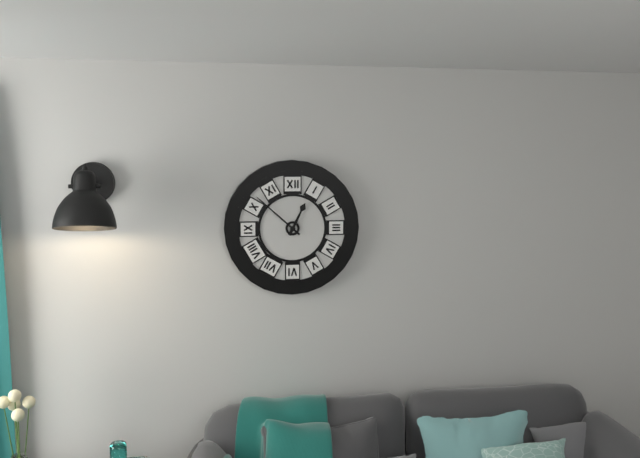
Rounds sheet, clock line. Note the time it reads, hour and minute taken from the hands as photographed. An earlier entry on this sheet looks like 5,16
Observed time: 12,52
